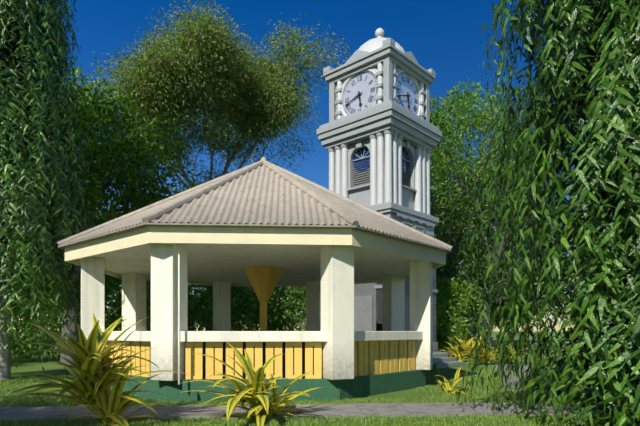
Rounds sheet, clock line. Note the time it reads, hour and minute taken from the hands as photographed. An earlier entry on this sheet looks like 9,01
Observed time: 5,42
